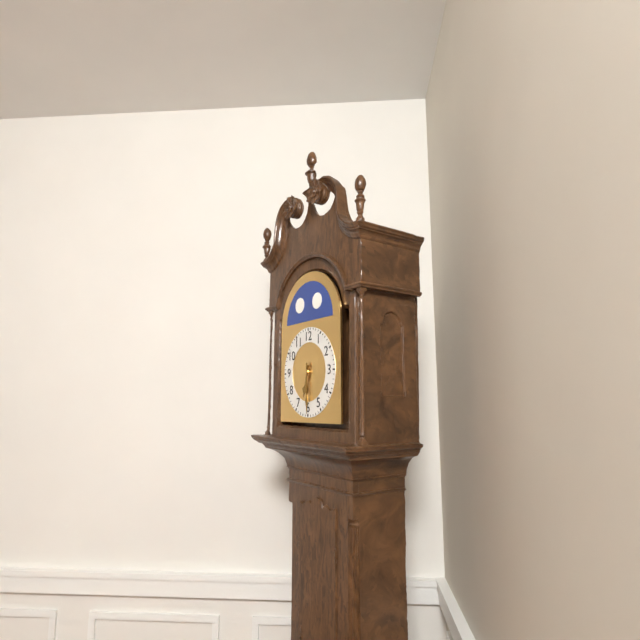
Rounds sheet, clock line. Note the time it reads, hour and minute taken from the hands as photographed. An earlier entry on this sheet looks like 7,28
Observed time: 6,30
